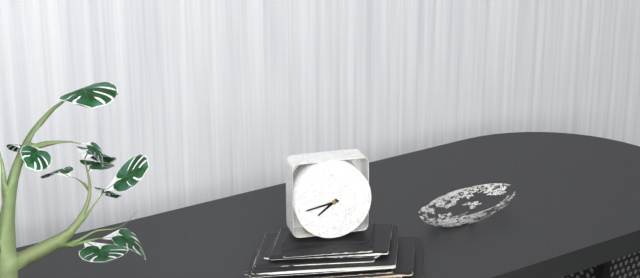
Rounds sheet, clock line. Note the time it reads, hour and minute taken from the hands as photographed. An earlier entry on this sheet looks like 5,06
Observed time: 7,43
